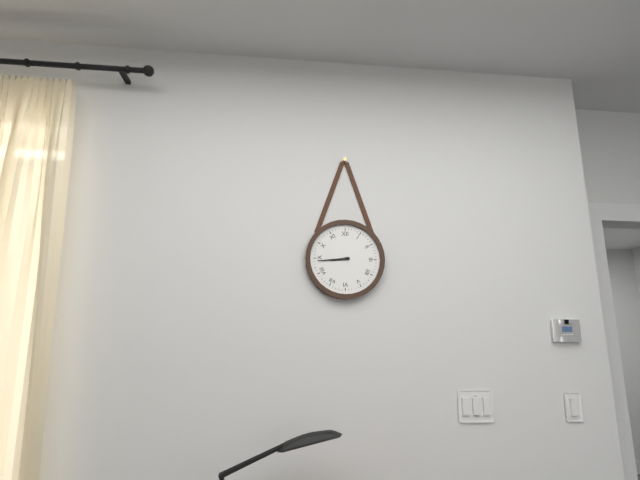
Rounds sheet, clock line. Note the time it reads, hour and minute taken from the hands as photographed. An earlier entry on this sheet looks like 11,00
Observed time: 8,44
